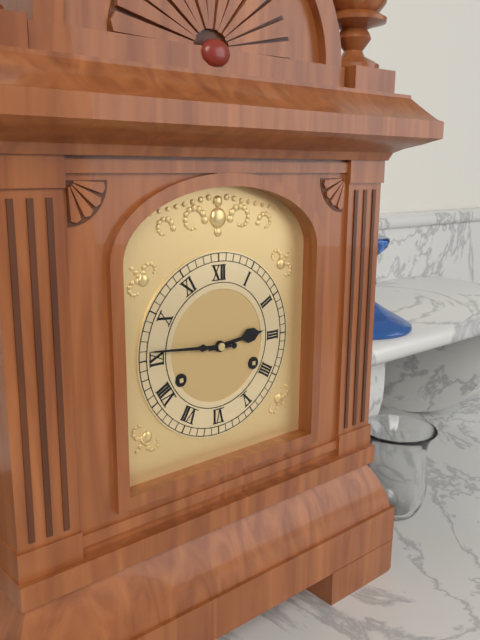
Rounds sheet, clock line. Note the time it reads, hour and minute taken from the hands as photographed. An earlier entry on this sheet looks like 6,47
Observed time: 2,46
